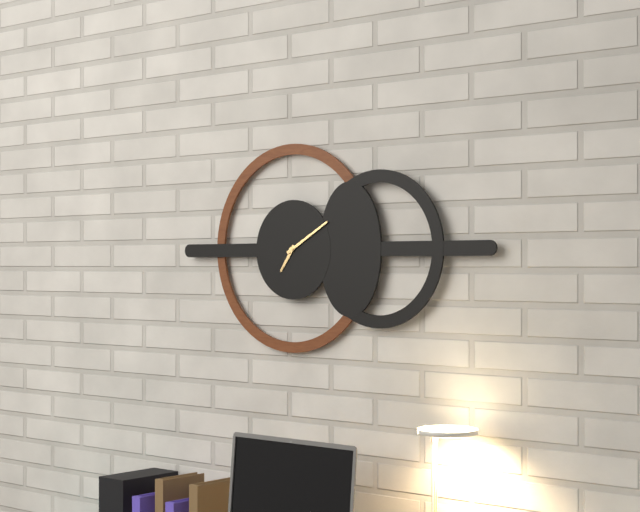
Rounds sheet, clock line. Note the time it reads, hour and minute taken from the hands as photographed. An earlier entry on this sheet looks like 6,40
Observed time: 7,10
